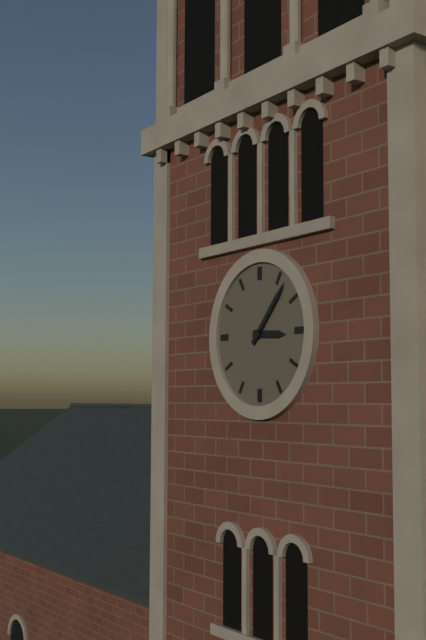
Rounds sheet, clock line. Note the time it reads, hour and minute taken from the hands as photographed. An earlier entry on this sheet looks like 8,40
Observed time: 3,07
